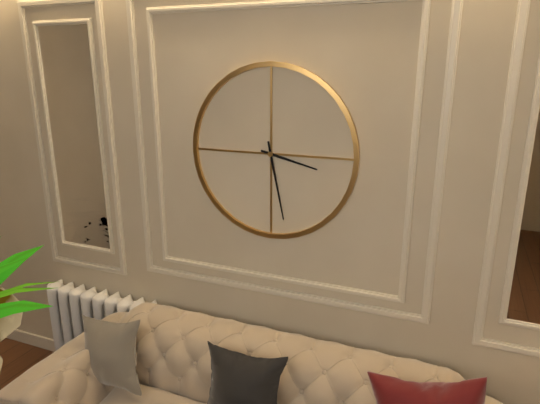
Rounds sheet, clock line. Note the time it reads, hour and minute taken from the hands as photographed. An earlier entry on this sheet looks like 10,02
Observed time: 3,28
